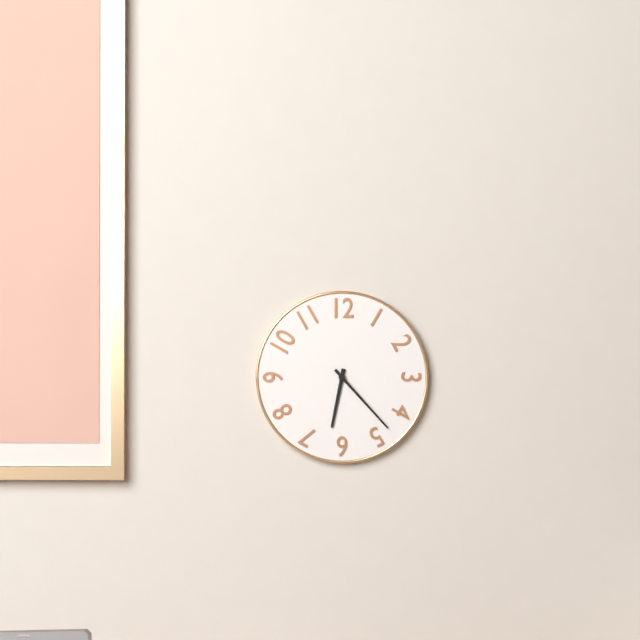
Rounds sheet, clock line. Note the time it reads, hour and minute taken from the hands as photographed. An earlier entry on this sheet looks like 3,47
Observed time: 6,23
